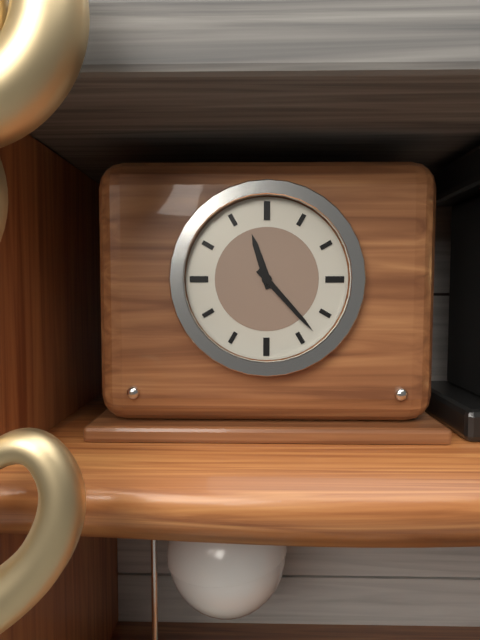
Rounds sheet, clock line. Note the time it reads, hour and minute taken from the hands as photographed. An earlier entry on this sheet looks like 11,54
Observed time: 11,23
